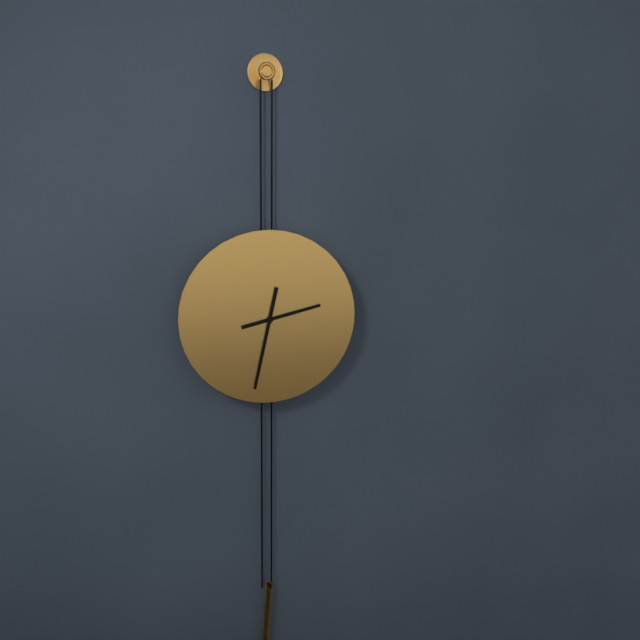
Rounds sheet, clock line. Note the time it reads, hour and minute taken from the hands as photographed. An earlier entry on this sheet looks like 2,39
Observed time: 2,32
